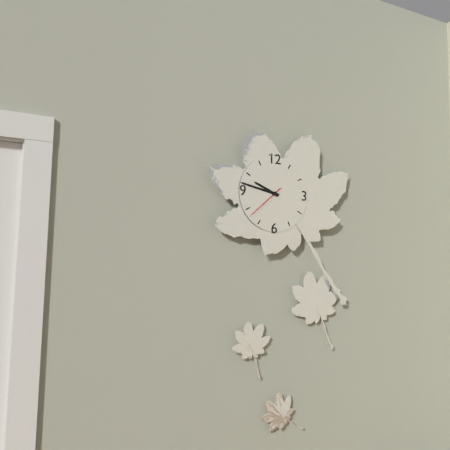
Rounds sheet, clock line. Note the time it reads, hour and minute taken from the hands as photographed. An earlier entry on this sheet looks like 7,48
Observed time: 9,47
